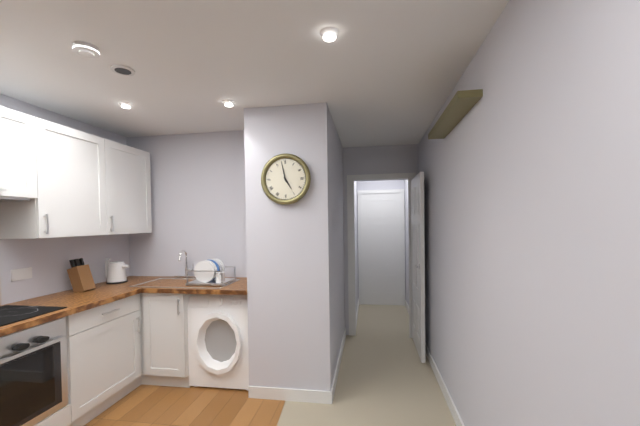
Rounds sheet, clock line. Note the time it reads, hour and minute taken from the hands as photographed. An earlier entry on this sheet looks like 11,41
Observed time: 4,58
